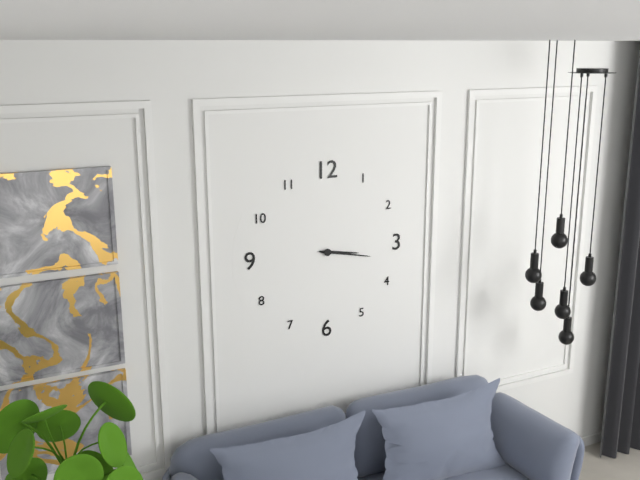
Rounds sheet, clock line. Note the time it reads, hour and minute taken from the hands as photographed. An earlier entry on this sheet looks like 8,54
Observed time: 3,17
